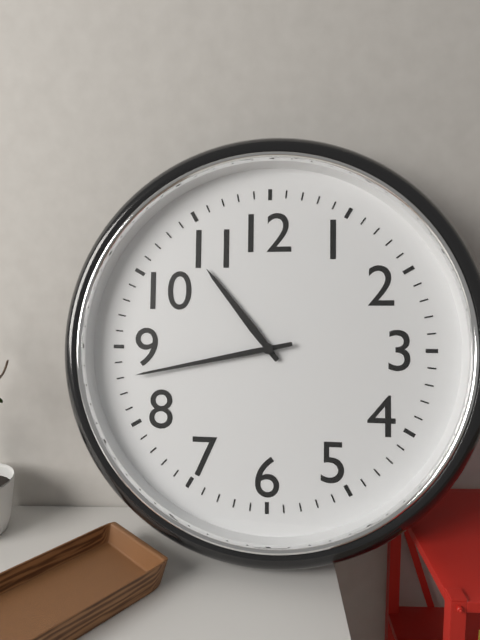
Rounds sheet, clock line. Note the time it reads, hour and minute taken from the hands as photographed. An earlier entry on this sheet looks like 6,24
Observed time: 10,43
